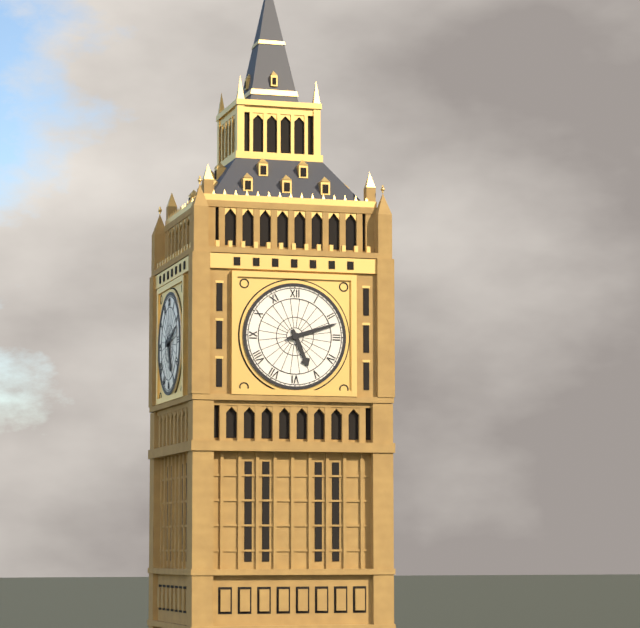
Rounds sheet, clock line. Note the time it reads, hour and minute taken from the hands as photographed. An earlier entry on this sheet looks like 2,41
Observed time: 5,12
